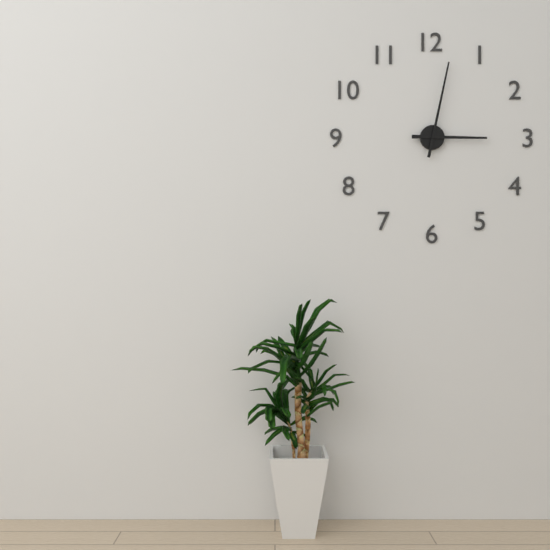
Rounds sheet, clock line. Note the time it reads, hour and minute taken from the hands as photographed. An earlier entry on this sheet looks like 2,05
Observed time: 3,02
